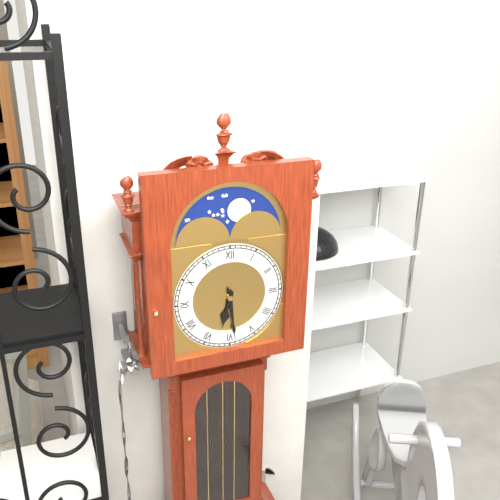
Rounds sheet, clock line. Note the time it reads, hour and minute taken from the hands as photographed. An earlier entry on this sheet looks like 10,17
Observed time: 6,29
